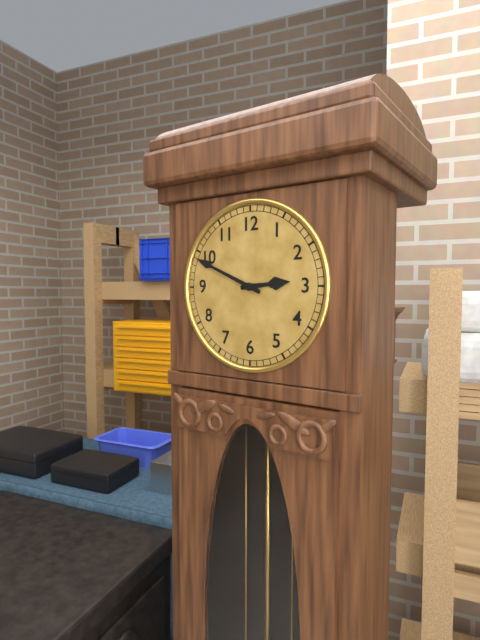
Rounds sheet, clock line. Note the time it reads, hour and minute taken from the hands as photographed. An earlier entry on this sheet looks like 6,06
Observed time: 2,49
